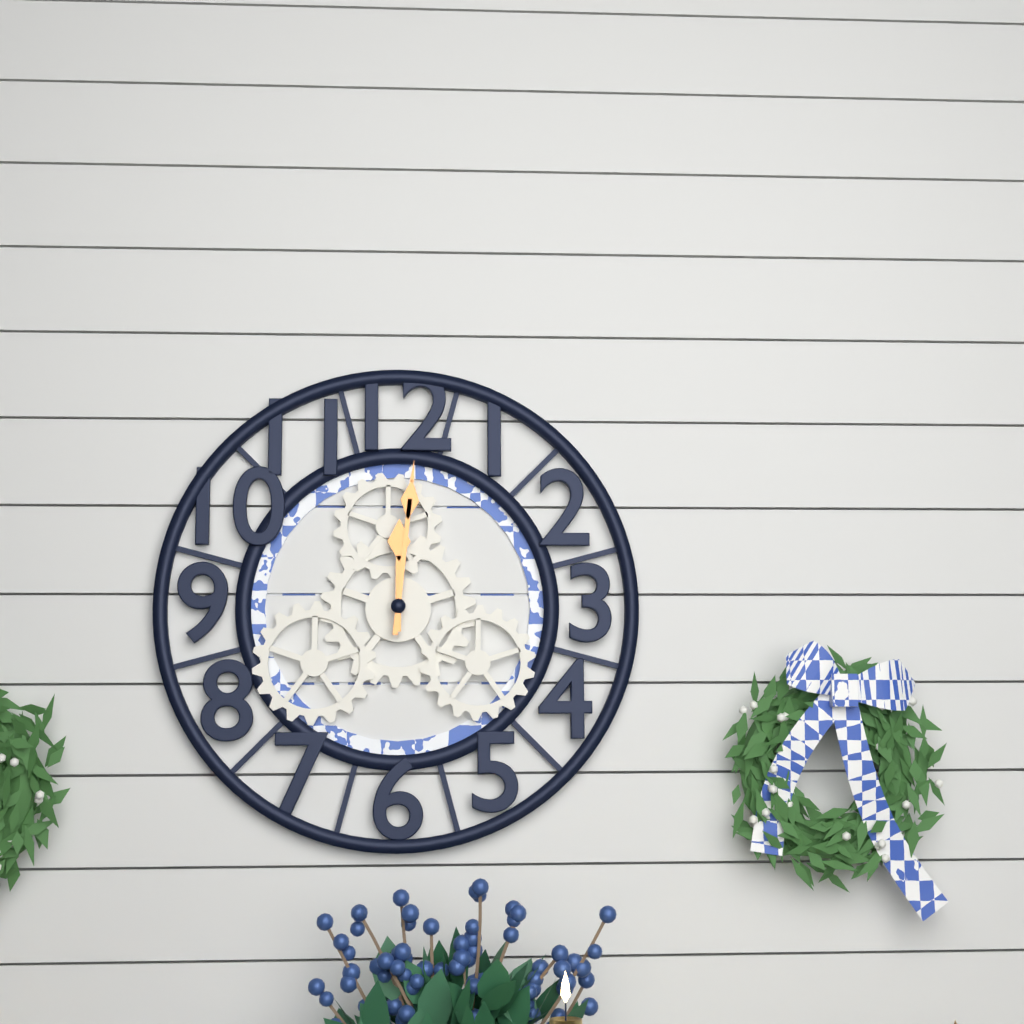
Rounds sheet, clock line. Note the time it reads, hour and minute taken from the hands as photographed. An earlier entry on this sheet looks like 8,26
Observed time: 12,01
